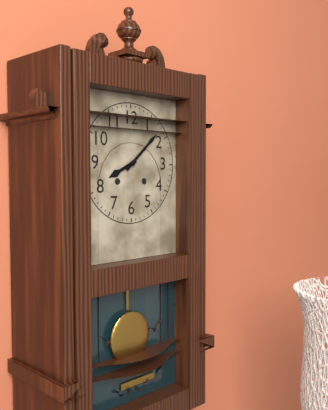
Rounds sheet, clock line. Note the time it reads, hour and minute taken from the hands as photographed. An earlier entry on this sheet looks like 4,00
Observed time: 8,08
